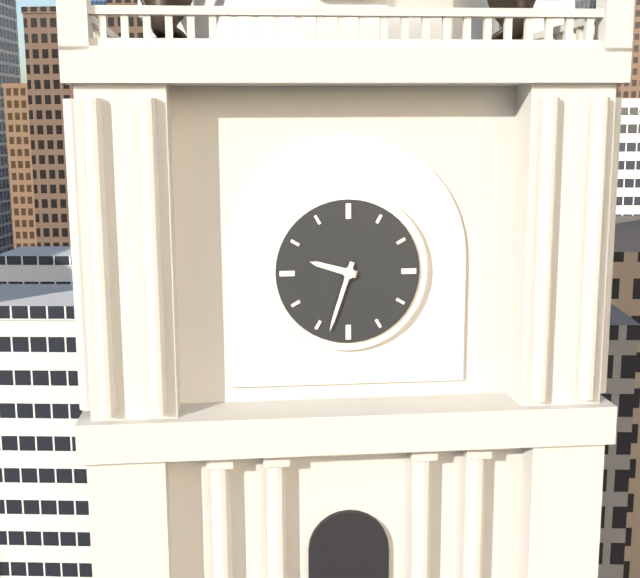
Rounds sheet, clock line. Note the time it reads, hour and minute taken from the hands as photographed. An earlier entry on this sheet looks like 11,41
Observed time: 9,33
